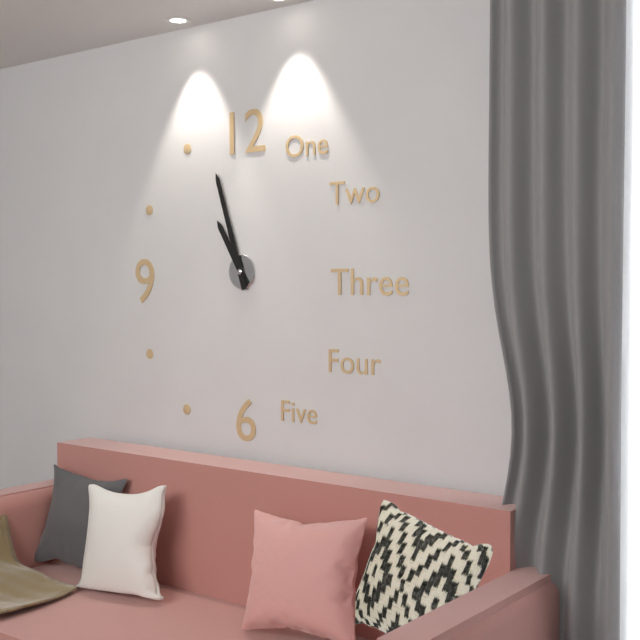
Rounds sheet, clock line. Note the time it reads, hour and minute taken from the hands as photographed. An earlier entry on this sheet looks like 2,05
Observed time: 10,57
